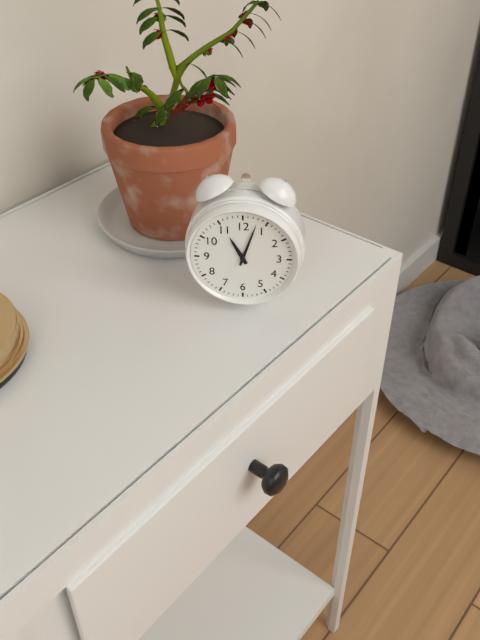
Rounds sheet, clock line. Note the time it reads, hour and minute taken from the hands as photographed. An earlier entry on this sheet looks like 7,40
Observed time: 11,03
